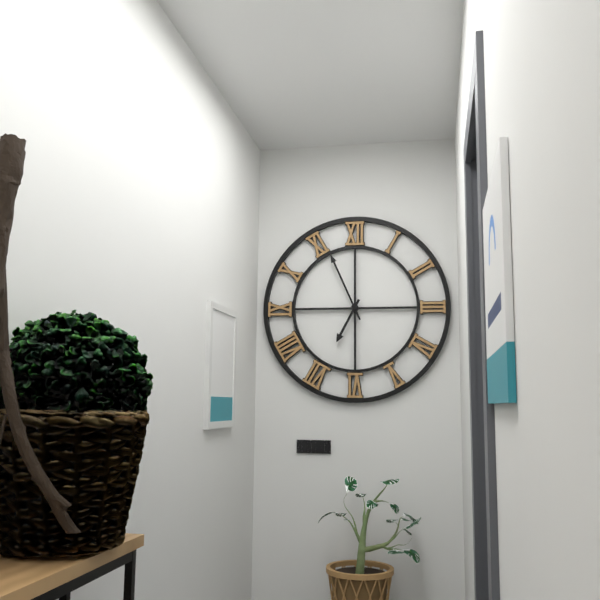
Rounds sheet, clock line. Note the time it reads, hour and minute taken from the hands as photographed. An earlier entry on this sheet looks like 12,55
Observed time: 6,56
